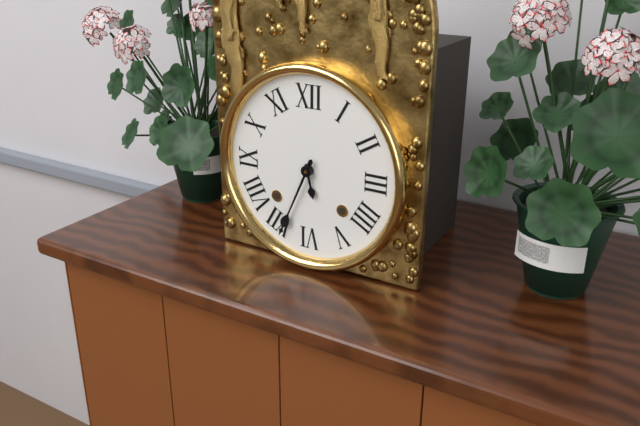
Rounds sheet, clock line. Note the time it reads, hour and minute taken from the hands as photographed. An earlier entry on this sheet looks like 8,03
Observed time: 5,34
